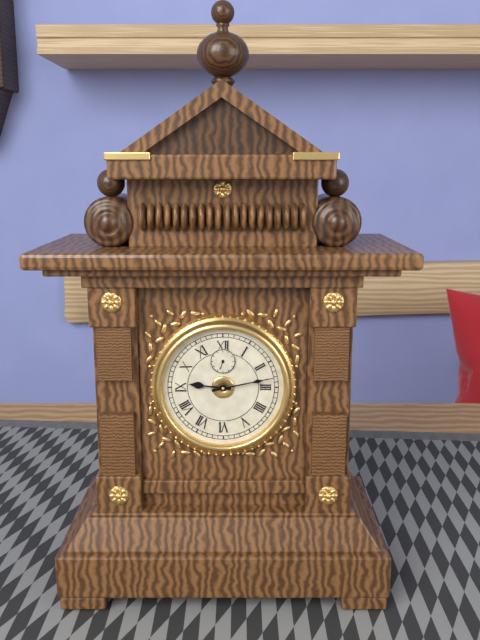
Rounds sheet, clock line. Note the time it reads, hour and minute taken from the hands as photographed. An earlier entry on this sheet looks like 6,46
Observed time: 9,13
